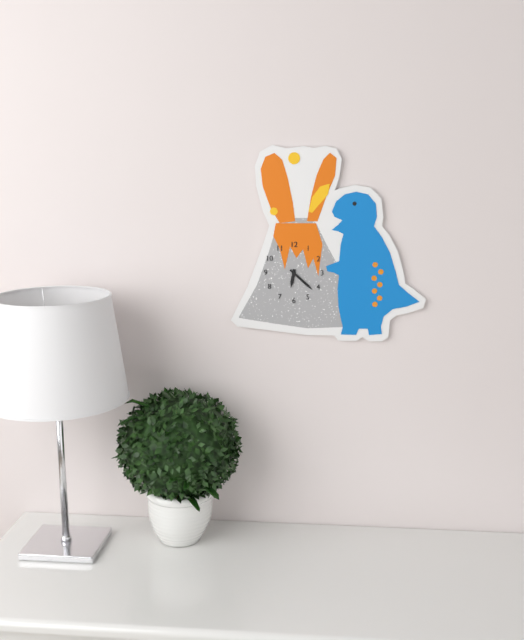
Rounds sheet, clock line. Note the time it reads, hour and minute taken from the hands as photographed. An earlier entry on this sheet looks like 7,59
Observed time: 6,22
